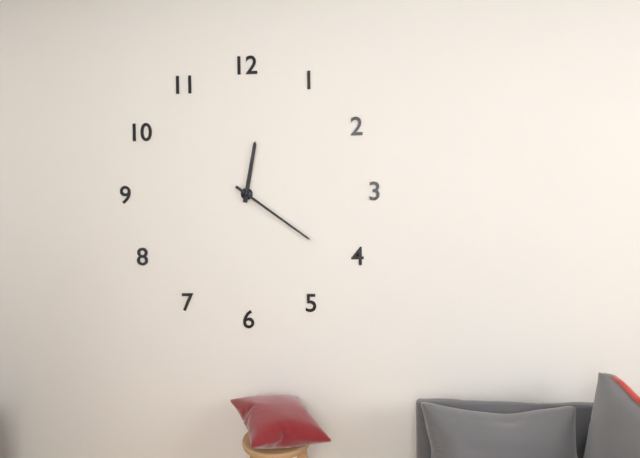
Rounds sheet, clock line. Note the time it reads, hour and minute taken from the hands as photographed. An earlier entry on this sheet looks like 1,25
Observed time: 12,21
